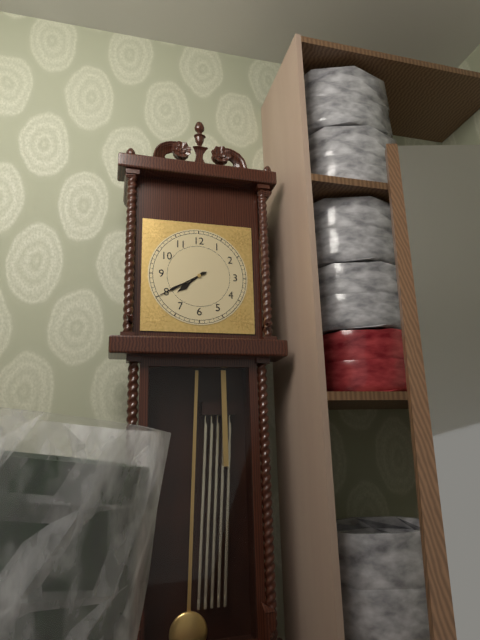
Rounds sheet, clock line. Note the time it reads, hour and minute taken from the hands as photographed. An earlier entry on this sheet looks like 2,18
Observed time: 7,40
